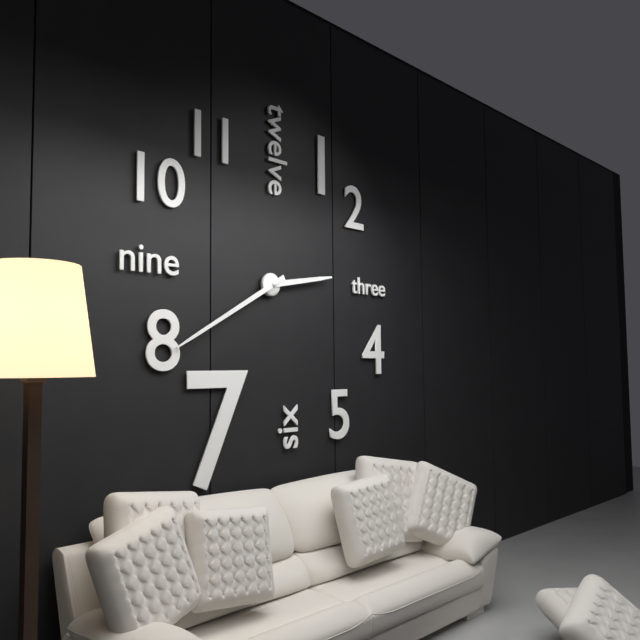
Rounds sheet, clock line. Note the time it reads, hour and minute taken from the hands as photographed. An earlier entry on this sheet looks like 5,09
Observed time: 2,40
